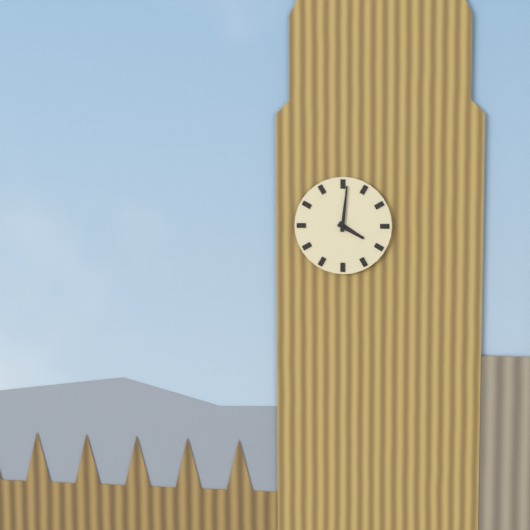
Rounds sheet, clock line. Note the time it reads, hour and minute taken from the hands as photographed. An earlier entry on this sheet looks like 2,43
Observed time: 4,01
